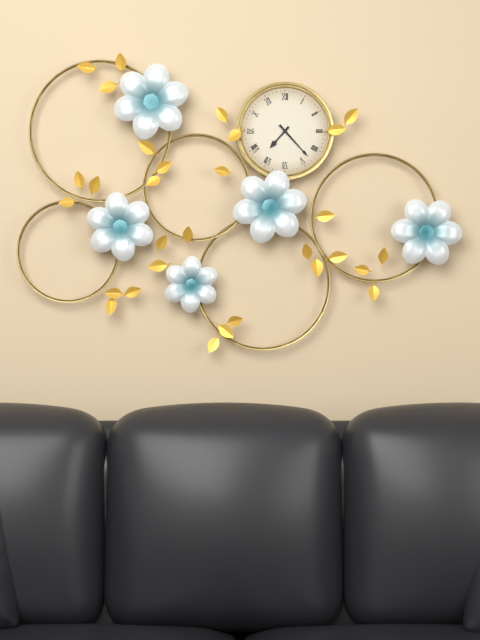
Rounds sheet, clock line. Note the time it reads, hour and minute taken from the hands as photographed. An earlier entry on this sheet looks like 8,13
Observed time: 7,23
